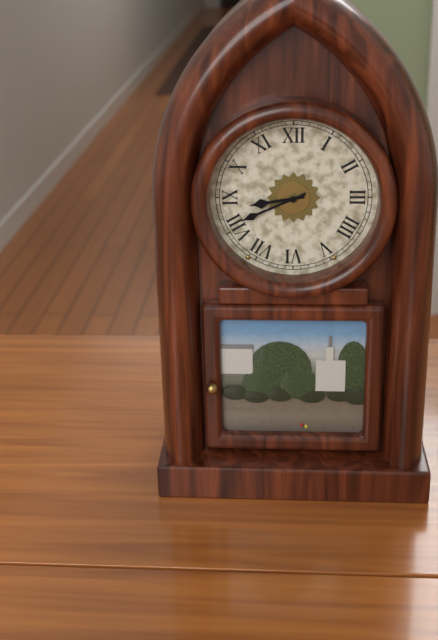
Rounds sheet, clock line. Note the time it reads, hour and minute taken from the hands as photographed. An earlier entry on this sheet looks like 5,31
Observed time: 8,41
